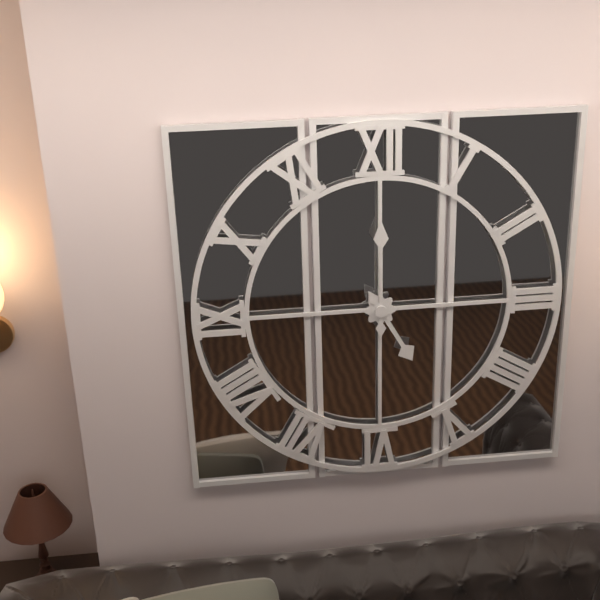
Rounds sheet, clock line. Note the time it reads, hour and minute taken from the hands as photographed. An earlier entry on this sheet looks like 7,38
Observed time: 5,00
